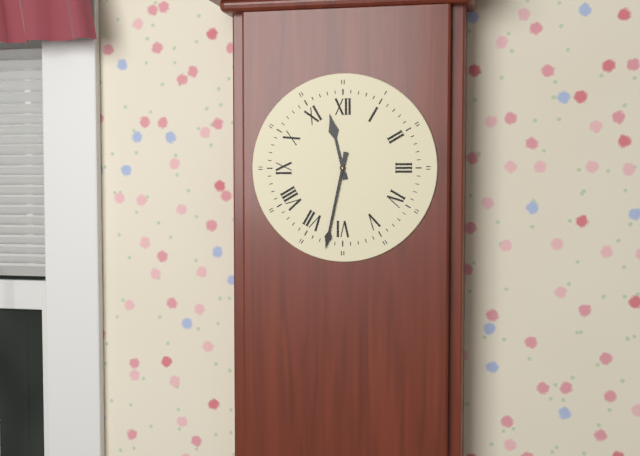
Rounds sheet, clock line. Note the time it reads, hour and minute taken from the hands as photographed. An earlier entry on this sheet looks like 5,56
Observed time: 11,32
